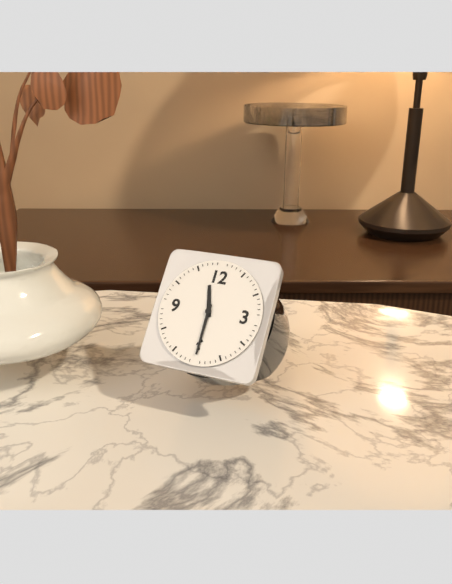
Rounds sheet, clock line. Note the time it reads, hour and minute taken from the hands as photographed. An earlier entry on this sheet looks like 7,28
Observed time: 11,30
